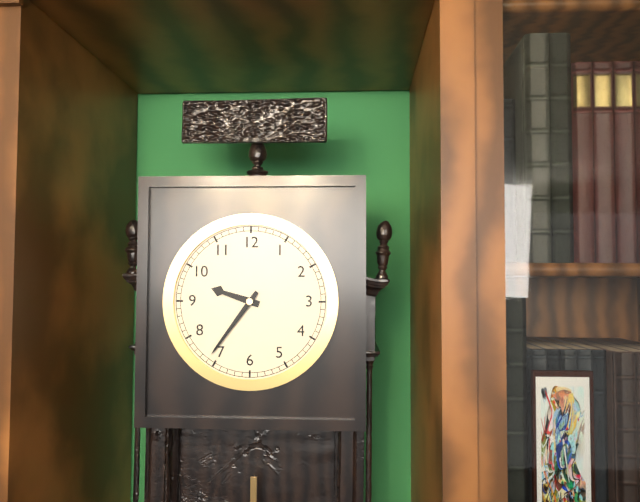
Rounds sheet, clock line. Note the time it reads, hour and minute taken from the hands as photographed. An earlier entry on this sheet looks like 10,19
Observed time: 9,36
